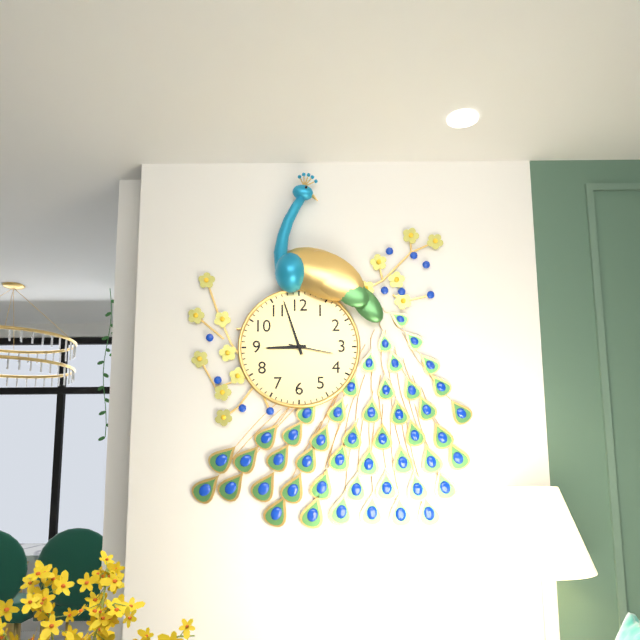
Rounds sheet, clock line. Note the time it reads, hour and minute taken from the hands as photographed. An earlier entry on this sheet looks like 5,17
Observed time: 8,57
